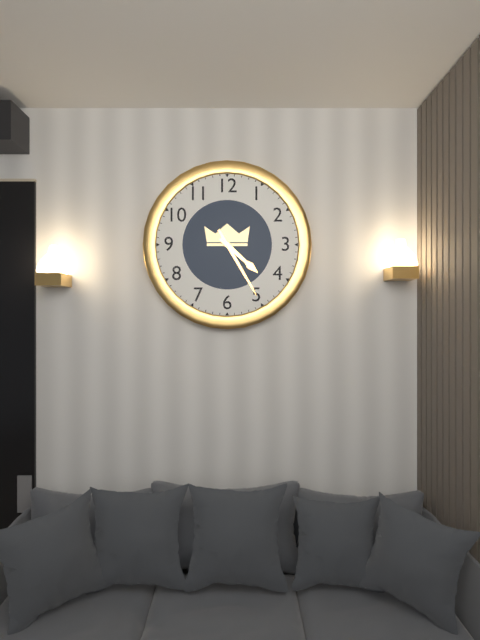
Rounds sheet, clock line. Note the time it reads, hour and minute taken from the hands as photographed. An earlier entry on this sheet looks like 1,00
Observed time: 4,25
